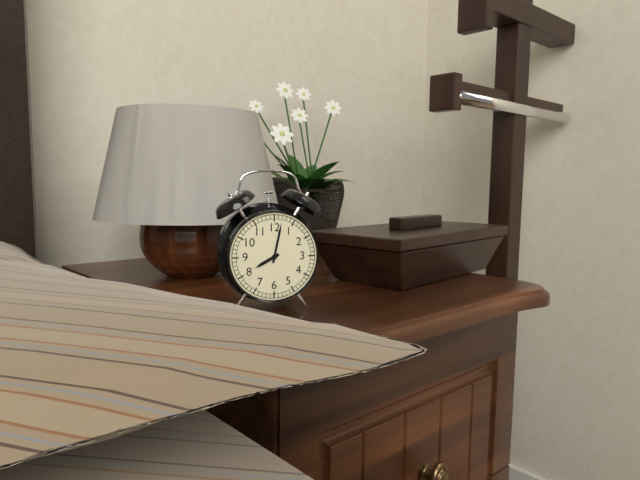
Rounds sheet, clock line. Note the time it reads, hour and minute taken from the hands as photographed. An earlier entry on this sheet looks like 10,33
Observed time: 8,02
